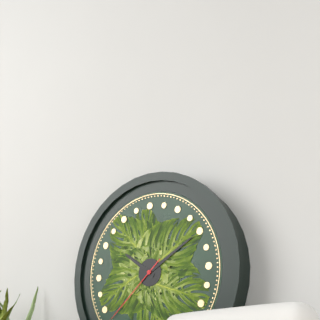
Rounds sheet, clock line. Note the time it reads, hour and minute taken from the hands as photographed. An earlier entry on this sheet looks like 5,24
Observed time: 10,10
